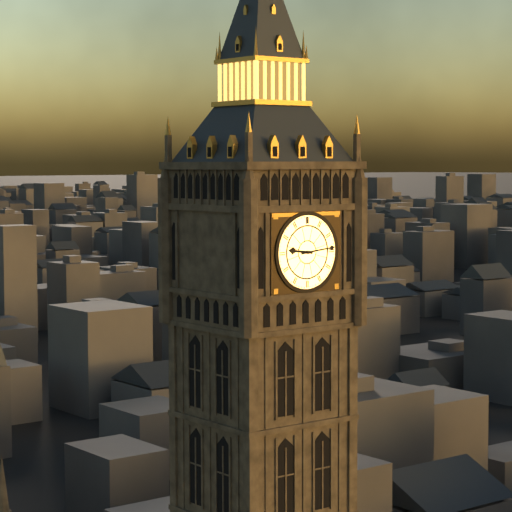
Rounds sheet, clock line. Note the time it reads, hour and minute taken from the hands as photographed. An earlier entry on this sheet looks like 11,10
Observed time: 9,14
